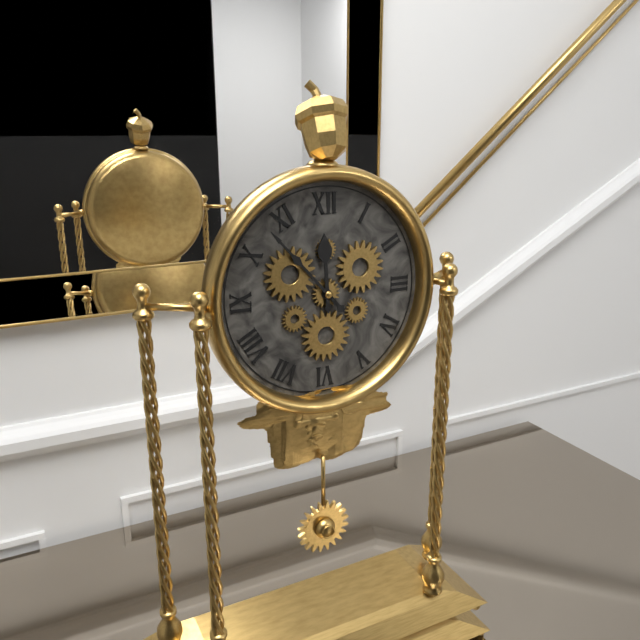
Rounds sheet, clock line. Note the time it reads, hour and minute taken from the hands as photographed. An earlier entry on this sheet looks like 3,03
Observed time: 11,53
